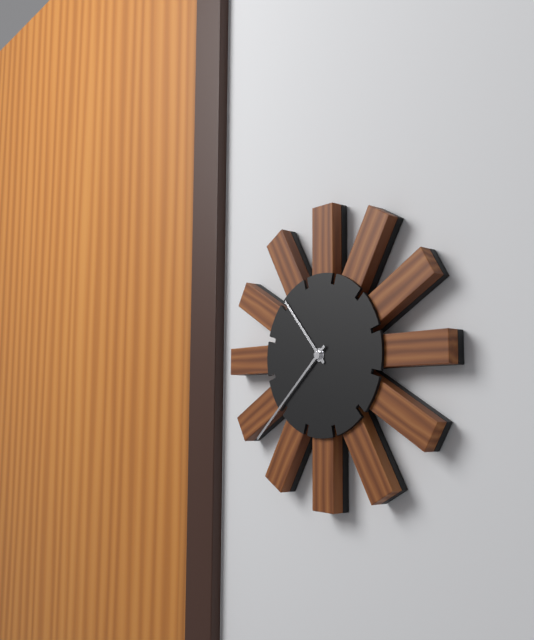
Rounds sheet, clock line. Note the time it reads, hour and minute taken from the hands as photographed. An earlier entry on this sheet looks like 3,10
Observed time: 10,38
